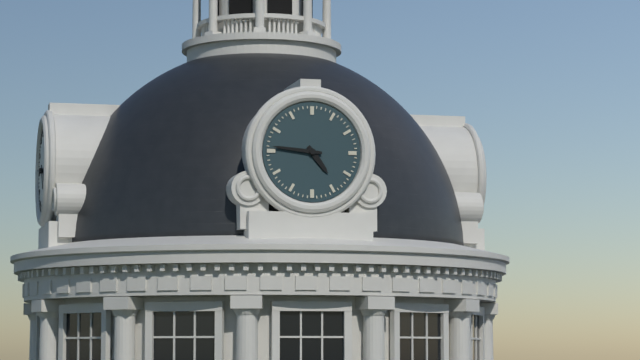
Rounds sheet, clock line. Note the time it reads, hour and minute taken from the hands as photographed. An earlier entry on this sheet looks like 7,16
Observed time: 4,46
